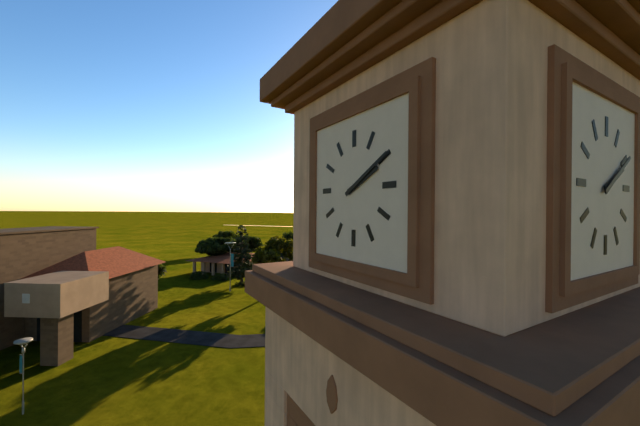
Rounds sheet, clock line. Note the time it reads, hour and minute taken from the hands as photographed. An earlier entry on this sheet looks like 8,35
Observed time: 2,10
